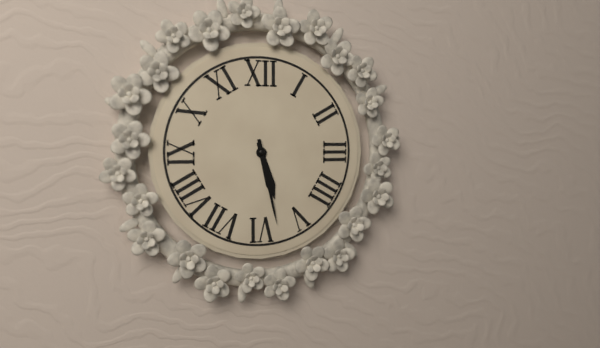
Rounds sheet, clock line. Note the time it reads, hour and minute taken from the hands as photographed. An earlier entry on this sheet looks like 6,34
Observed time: 5,28
